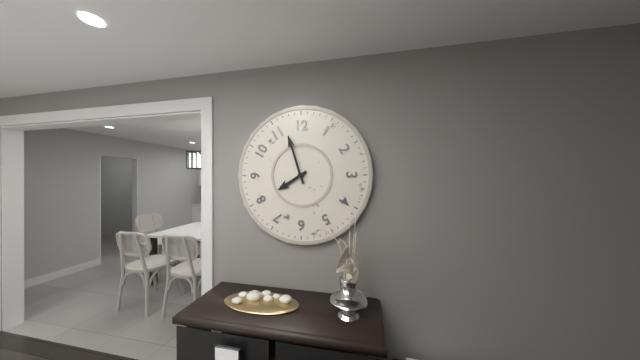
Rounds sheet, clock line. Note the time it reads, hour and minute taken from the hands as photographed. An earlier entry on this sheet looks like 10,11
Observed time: 7,57
